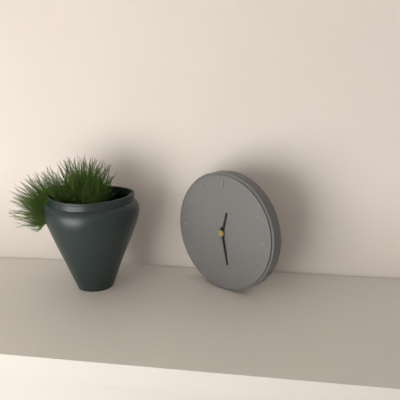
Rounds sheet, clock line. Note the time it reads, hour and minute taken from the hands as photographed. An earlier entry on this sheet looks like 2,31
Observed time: 12,28
